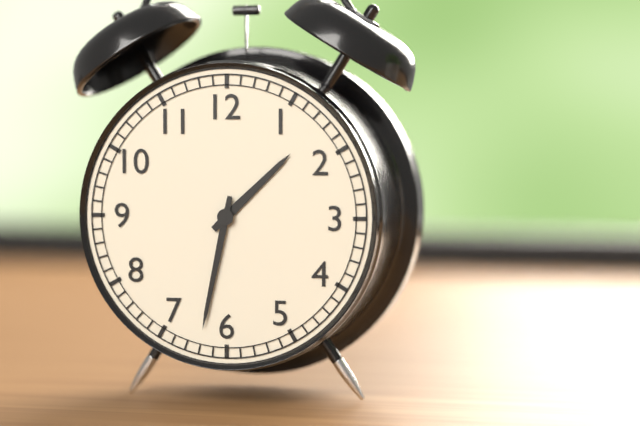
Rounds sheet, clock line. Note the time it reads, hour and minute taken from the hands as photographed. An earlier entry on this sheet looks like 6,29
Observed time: 1,32
